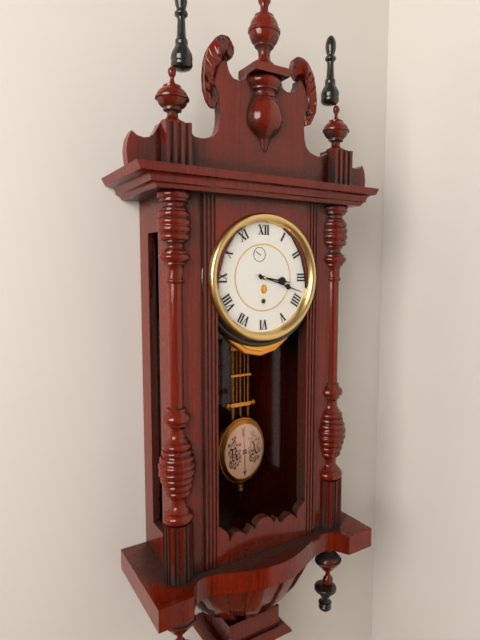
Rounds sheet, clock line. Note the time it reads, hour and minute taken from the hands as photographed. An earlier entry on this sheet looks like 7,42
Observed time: 3,18
